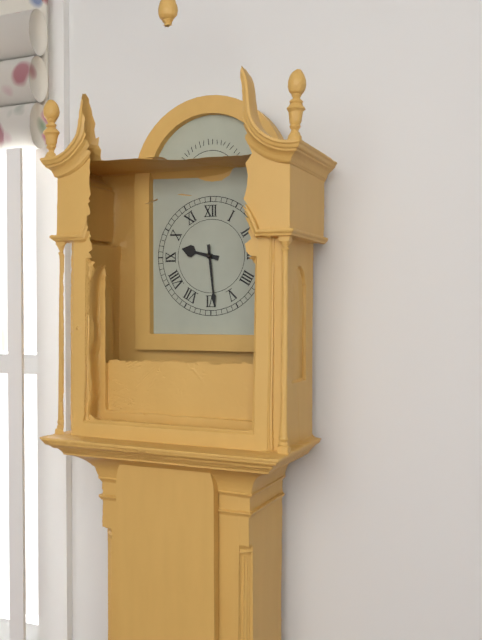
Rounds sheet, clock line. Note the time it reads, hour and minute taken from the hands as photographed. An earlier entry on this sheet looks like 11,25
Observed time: 9,29
